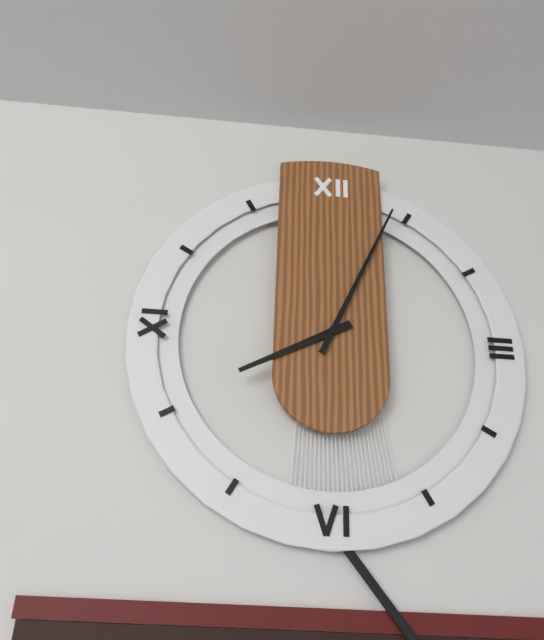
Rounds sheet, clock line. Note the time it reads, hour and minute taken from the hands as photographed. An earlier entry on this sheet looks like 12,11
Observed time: 8,04
